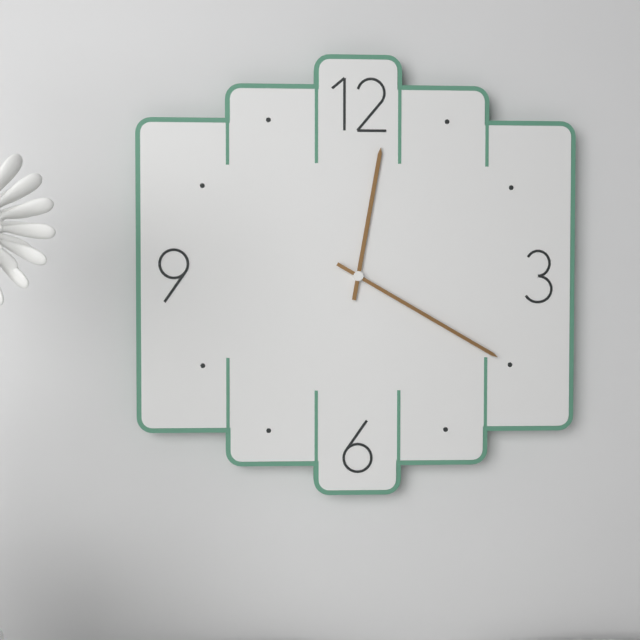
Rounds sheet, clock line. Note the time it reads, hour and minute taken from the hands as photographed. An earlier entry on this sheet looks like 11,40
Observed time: 12,20
